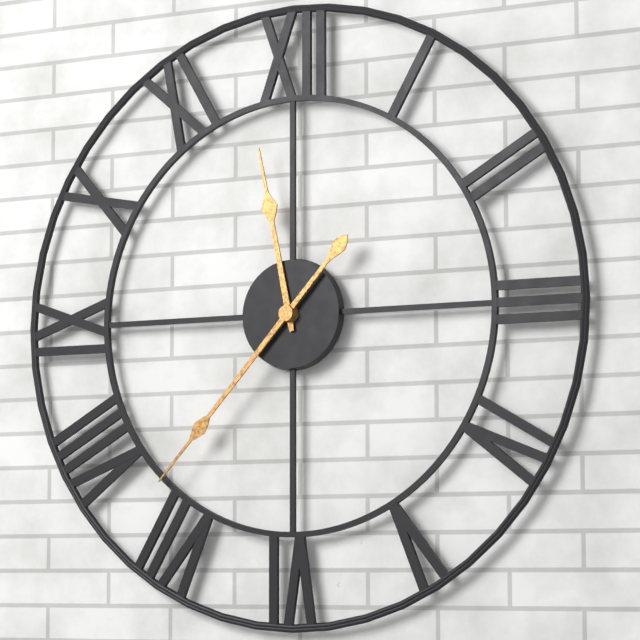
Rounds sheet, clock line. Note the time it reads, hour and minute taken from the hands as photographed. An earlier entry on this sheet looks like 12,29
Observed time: 11,37
